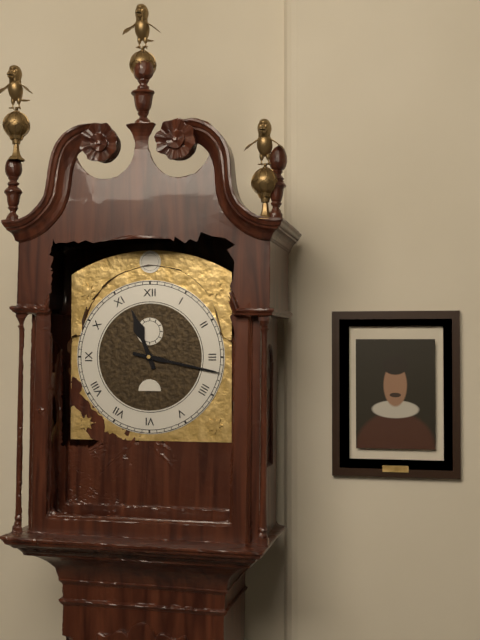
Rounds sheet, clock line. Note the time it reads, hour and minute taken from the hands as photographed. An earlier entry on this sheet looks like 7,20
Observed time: 11,17
